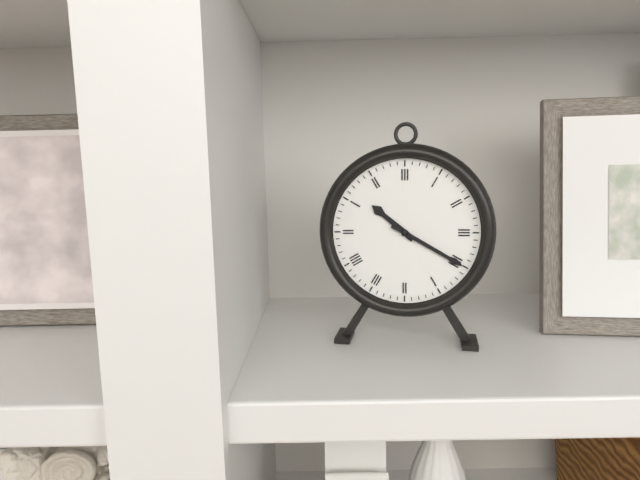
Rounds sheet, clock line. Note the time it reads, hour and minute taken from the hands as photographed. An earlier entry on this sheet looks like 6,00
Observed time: 10,20
